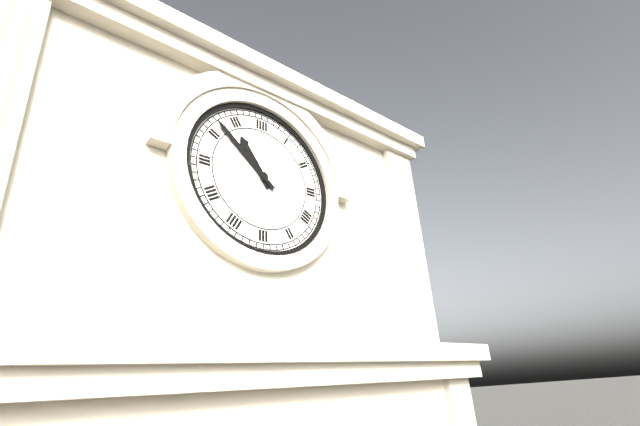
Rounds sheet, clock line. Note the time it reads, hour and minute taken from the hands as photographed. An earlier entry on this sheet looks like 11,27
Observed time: 10,52
